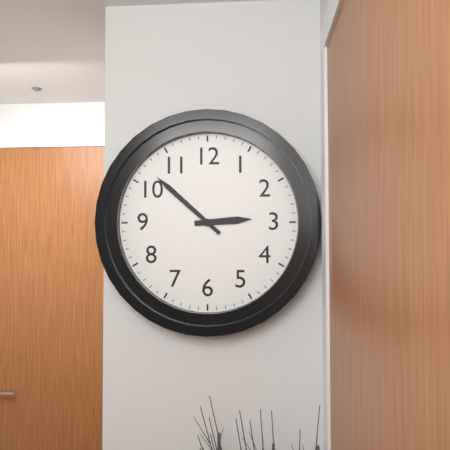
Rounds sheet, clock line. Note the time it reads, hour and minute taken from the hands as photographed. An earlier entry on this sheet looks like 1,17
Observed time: 2,52
